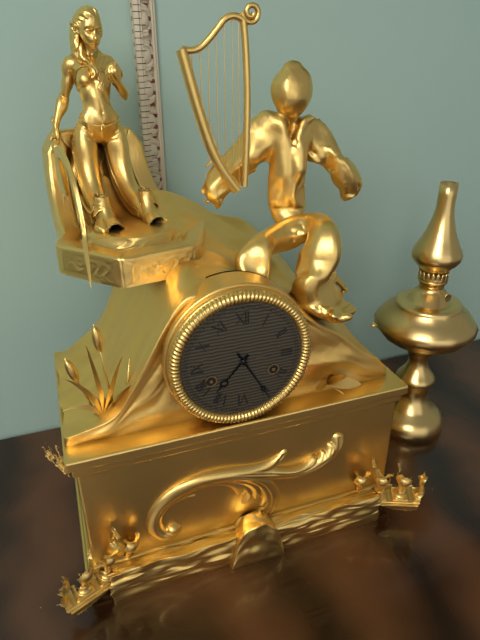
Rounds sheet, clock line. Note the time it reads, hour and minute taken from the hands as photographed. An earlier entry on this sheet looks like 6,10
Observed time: 7,25
